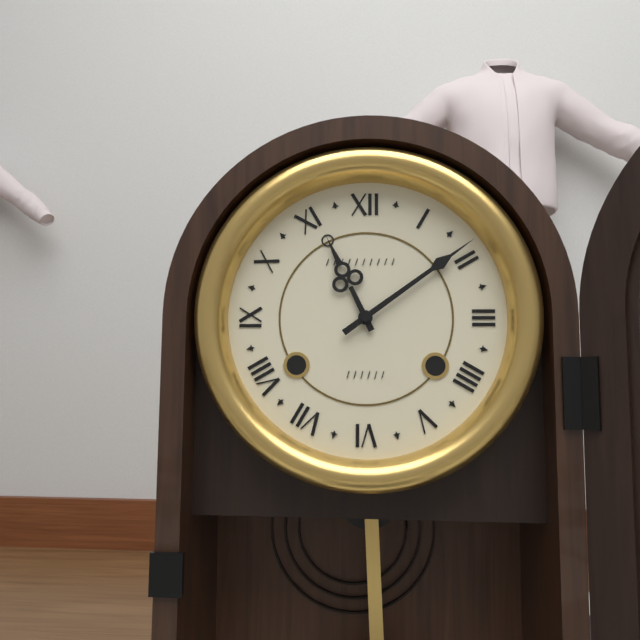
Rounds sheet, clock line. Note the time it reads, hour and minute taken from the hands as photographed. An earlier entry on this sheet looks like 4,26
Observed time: 11,09
